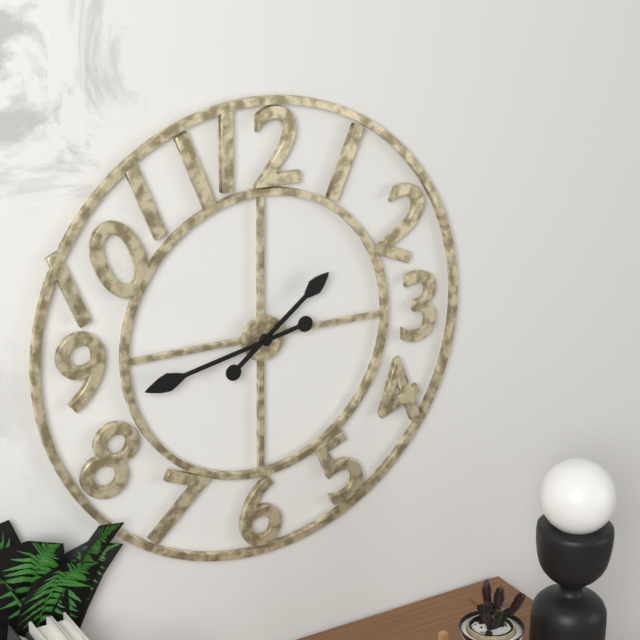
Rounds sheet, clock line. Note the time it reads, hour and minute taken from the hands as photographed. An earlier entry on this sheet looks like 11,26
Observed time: 1,43
